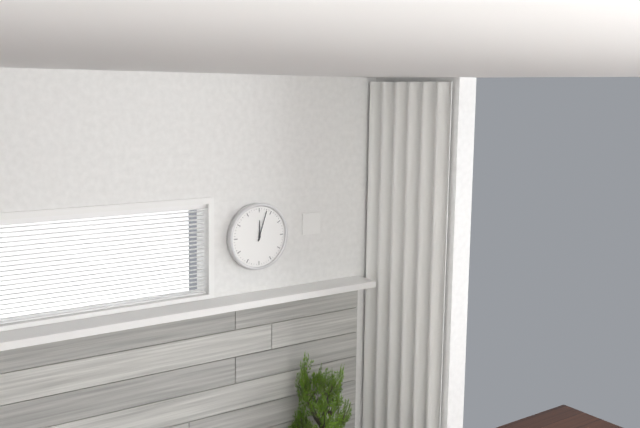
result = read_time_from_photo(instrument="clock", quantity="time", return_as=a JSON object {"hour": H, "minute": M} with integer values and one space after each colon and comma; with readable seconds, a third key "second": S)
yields {"hour": 12, "minute": 3}
